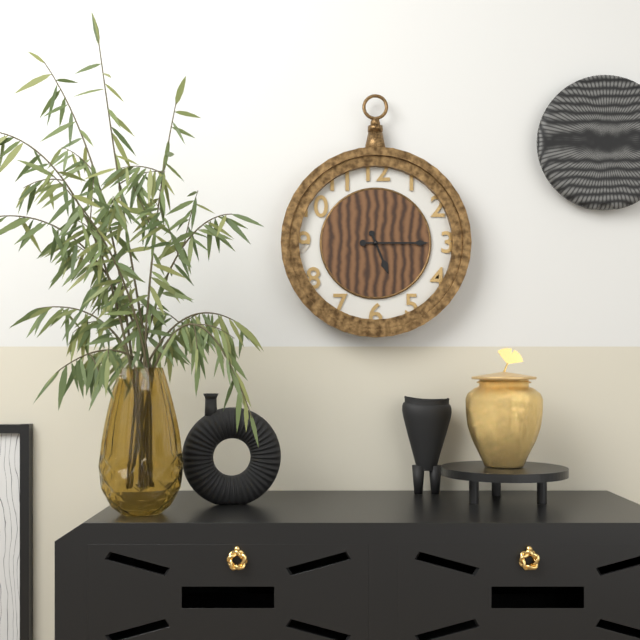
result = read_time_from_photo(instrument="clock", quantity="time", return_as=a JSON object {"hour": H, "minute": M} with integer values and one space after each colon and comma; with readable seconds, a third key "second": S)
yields {"hour": 5, "minute": 15}
